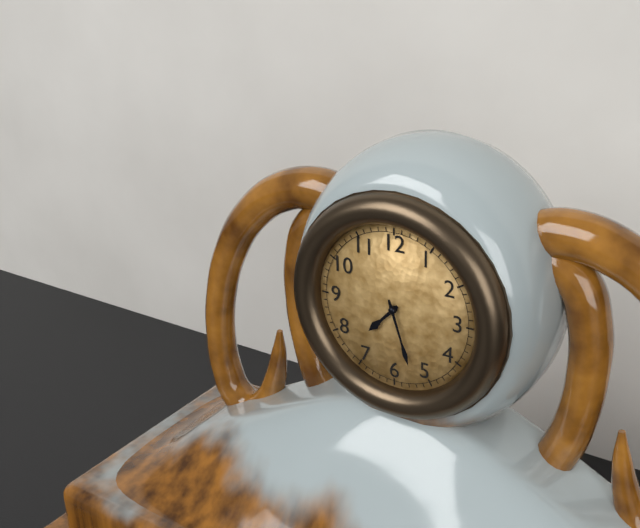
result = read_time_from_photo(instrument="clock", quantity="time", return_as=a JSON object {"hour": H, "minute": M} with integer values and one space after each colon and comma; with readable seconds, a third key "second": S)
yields {"hour": 7, "minute": 27}
